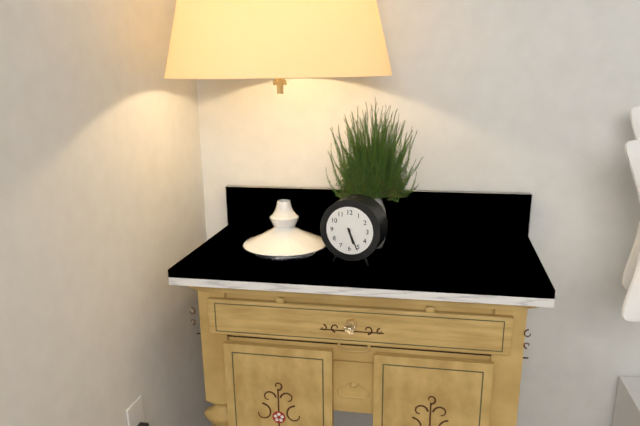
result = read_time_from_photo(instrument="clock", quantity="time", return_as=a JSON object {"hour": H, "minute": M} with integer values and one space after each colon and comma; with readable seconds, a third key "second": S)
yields {"hour": 5, "minute": 26}
